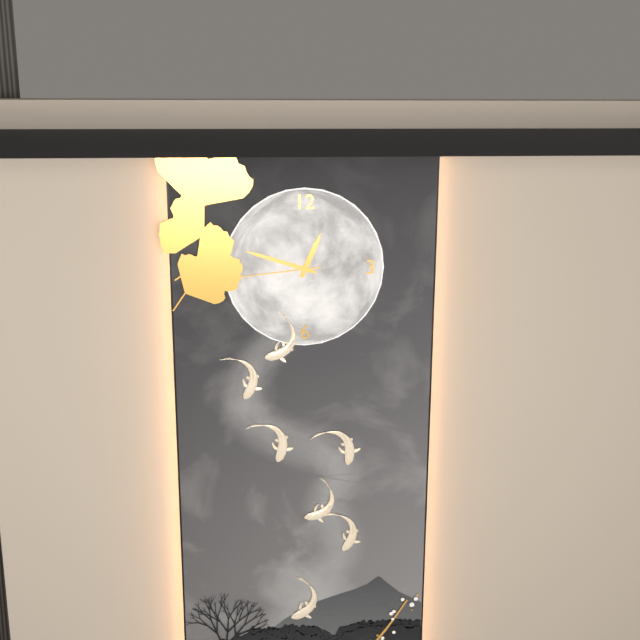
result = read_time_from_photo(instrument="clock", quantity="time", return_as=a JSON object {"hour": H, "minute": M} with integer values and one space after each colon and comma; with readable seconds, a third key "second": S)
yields {"hour": 12, "minute": 48, "second": 44}
